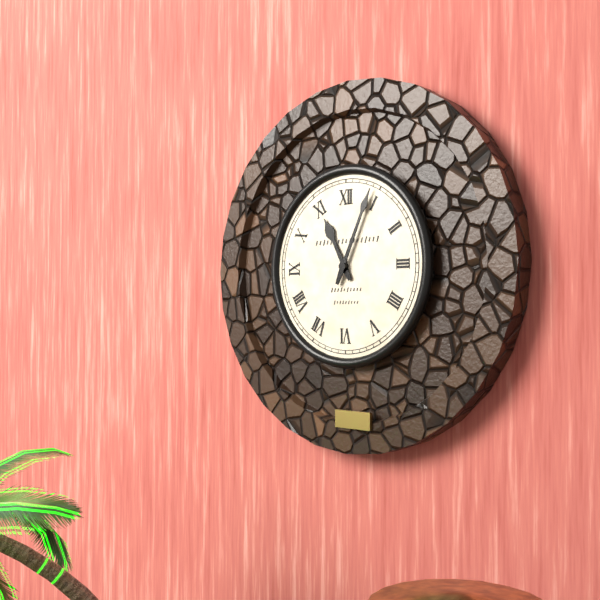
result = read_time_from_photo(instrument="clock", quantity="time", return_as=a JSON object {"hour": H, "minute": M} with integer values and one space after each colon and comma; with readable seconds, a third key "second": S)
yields {"hour": 11, "minute": 4}
